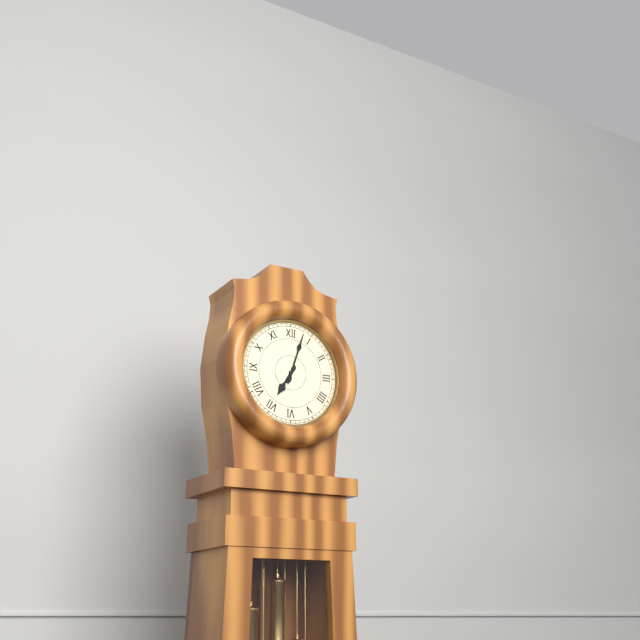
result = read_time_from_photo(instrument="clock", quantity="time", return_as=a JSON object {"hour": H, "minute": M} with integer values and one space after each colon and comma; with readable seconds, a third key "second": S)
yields {"hour": 7, "minute": 3}
